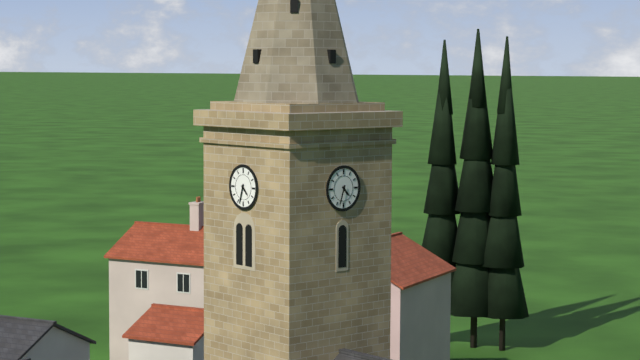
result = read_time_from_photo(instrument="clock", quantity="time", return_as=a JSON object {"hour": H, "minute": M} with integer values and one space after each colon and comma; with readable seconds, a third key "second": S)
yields {"hour": 4, "minute": 33}
